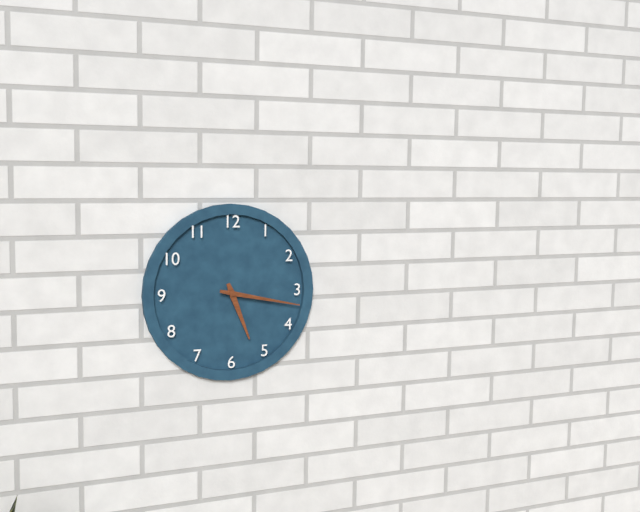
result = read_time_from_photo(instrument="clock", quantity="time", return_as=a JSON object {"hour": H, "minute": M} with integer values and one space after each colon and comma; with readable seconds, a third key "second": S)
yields {"hour": 5, "minute": 17}
